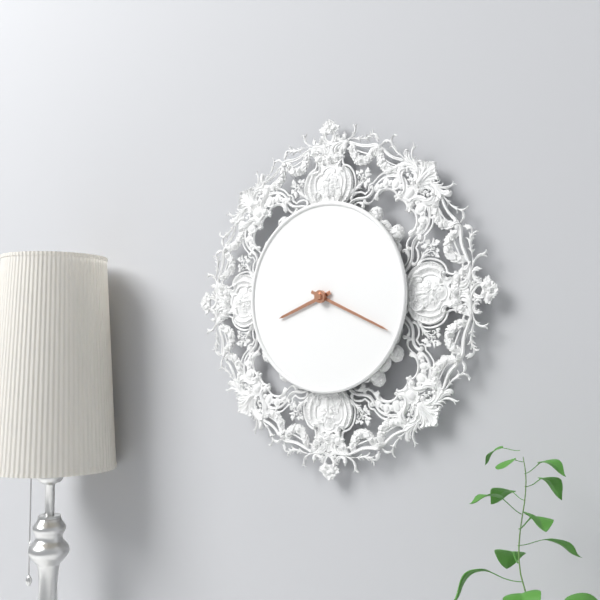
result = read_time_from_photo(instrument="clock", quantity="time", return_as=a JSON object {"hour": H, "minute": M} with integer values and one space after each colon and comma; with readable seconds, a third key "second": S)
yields {"hour": 8, "minute": 19}
